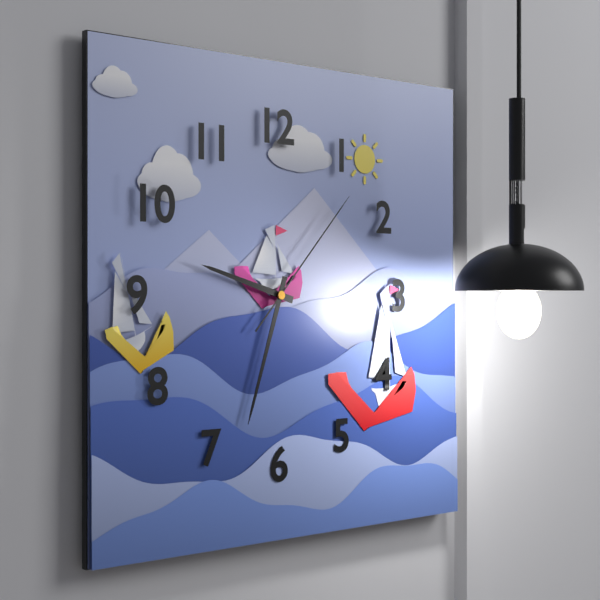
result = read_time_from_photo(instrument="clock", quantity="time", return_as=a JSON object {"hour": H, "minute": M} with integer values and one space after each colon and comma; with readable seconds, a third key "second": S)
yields {"hour": 9, "minute": 33, "second": 7}
